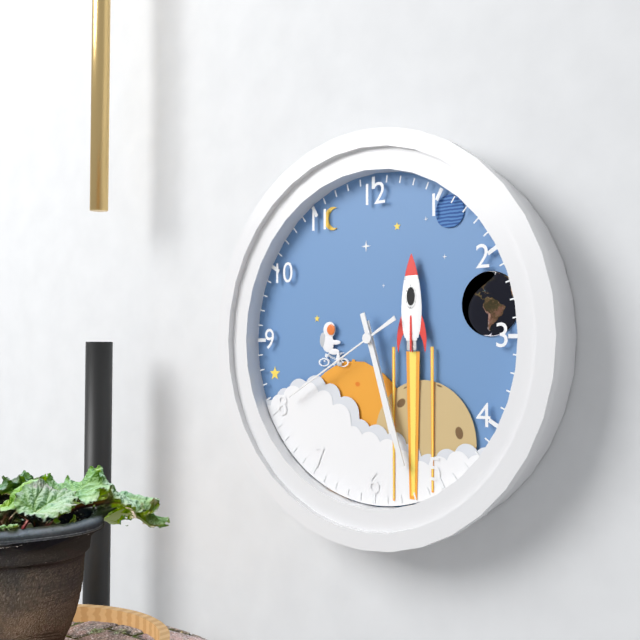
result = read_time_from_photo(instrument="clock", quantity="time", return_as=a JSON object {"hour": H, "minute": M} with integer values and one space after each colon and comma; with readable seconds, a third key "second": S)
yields {"hour": 5, "minute": 27, "second": 40}
